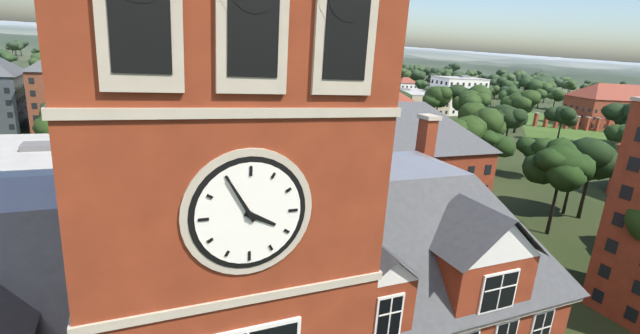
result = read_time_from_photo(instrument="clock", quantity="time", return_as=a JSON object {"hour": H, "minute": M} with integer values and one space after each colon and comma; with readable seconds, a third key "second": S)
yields {"hour": 3, "minute": 55}
